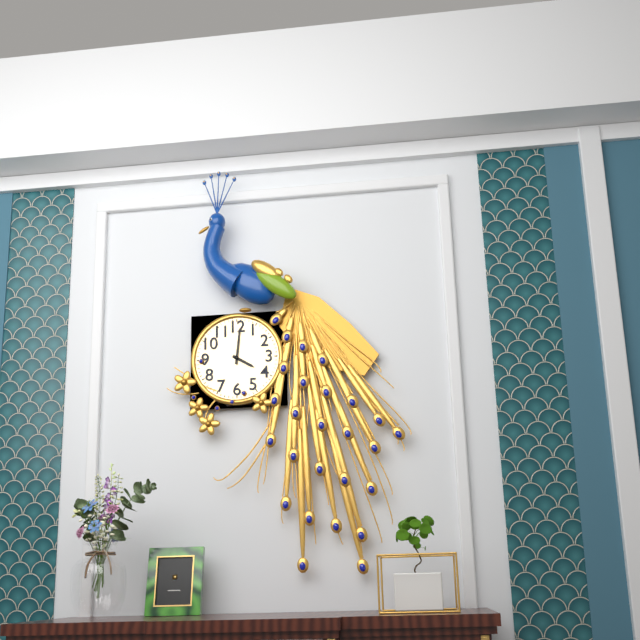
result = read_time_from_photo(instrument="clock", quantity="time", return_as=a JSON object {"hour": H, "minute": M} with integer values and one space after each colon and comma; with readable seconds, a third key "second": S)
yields {"hour": 4, "minute": 1}
